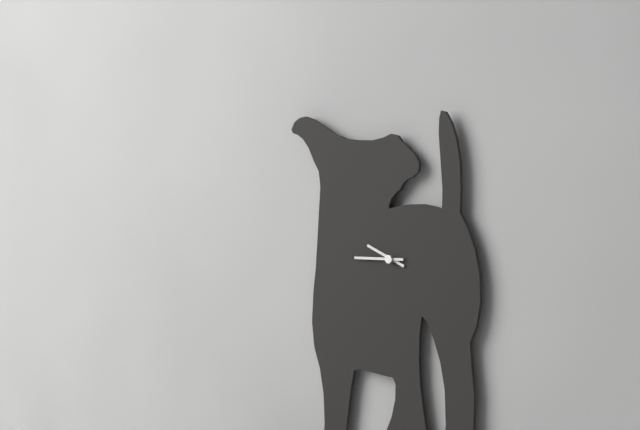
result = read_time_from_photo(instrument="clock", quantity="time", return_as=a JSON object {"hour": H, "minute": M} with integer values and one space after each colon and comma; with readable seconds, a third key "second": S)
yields {"hour": 9, "minute": 45}
